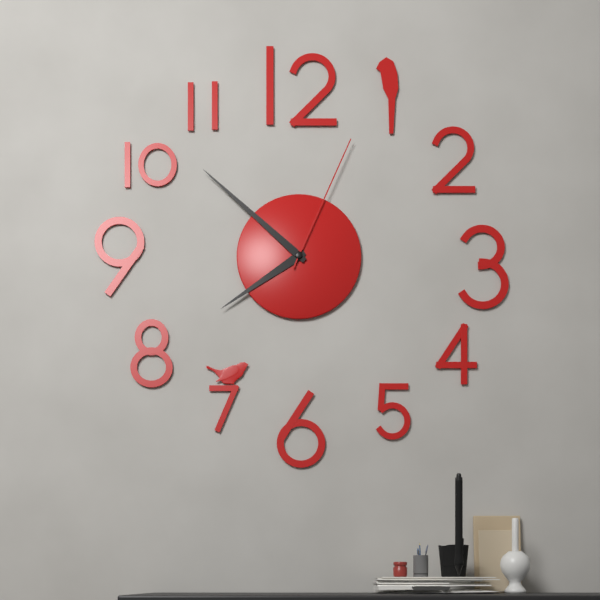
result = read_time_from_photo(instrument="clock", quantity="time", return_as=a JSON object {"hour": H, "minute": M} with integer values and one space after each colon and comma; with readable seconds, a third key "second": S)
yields {"hour": 7, "minute": 52, "second": 4}
